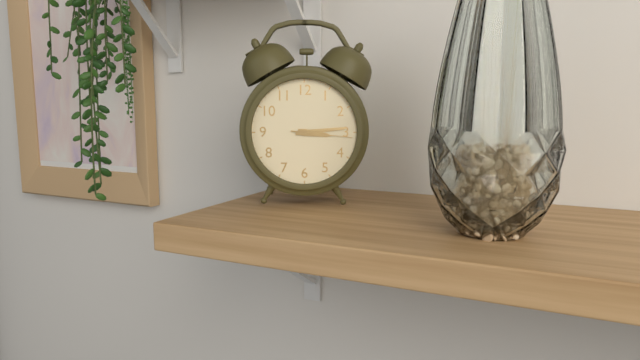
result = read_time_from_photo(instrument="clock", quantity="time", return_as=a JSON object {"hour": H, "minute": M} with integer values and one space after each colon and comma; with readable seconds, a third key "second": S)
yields {"hour": 3, "minute": 14, "second": 16}
